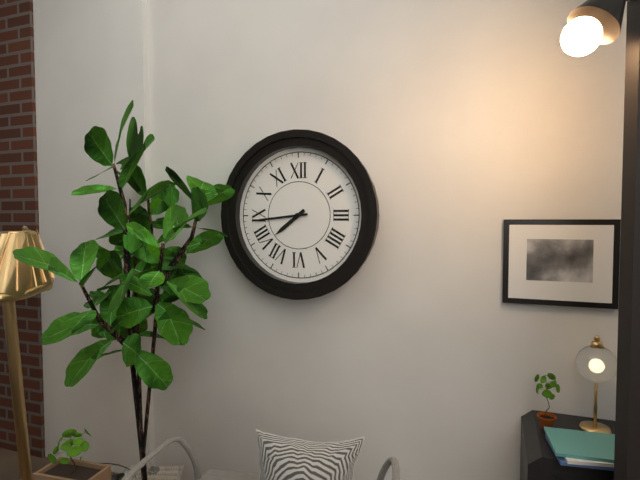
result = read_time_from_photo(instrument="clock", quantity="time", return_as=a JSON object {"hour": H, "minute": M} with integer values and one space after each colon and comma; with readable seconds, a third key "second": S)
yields {"hour": 7, "minute": 44}
